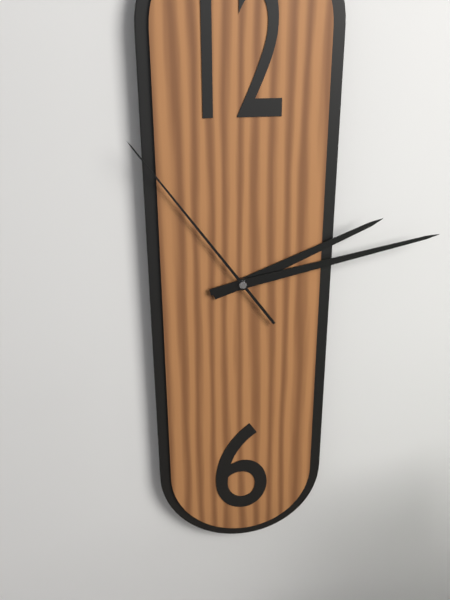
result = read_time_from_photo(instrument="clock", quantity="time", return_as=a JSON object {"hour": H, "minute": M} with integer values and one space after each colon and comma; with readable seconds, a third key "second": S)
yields {"hour": 2, "minute": 13, "second": 54}
